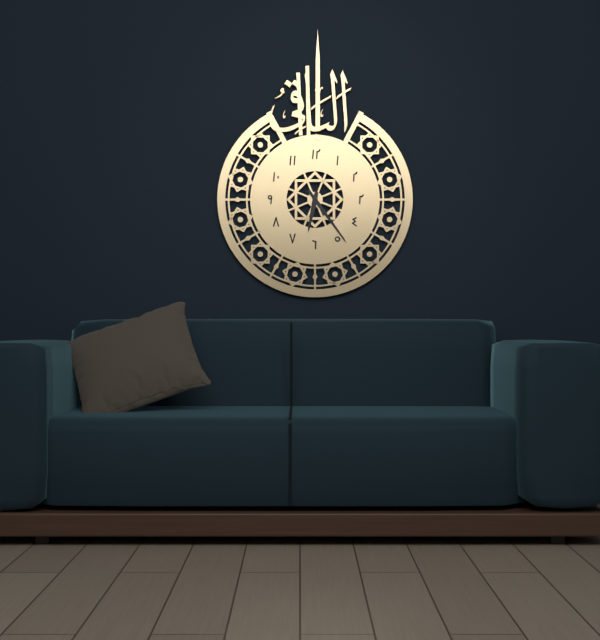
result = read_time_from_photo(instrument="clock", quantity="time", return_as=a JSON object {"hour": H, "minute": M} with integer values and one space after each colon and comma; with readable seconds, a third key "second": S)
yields {"hour": 6, "minute": 24}
